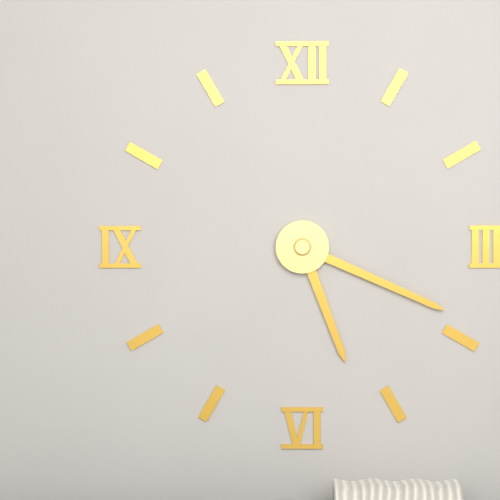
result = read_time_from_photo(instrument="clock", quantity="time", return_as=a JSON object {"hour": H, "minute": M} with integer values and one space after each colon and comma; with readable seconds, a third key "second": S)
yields {"hour": 5, "minute": 19}
